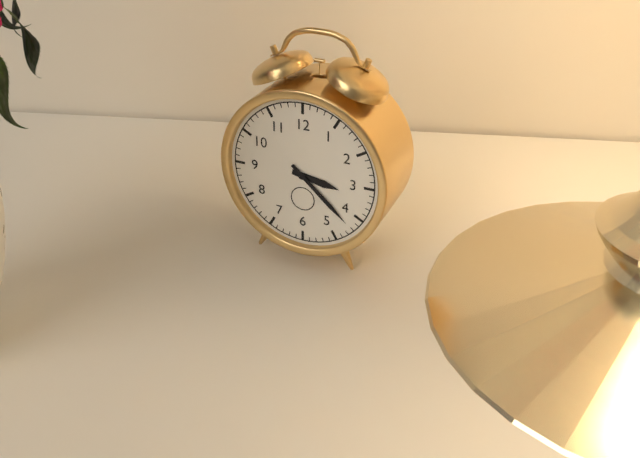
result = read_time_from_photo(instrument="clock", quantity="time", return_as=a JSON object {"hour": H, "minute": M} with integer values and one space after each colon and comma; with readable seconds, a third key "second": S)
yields {"hour": 3, "minute": 22}
